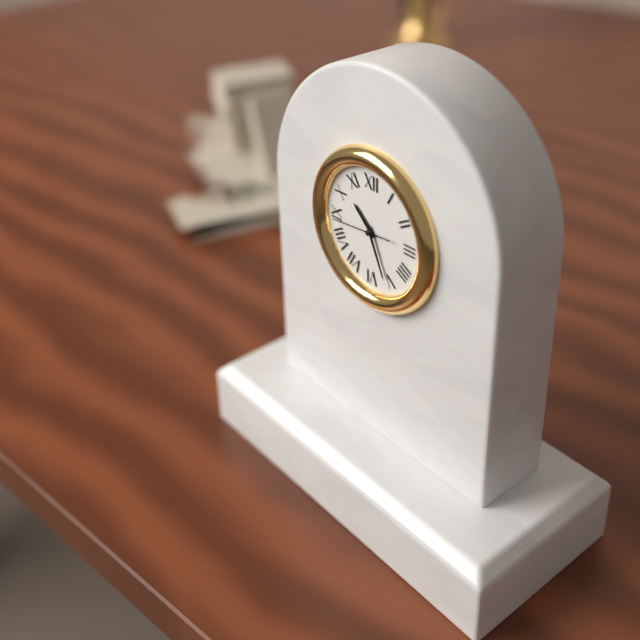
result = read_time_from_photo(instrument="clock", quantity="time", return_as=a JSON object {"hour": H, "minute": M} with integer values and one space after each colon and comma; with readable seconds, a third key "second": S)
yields {"hour": 10, "minute": 26}
